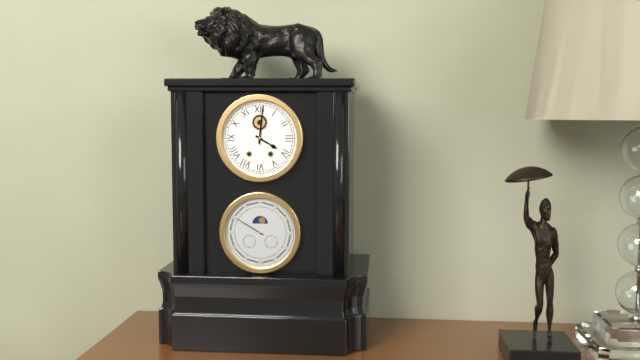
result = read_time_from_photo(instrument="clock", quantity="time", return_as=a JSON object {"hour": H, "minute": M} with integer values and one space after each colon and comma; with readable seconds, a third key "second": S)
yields {"hour": 4, "minute": 1}
